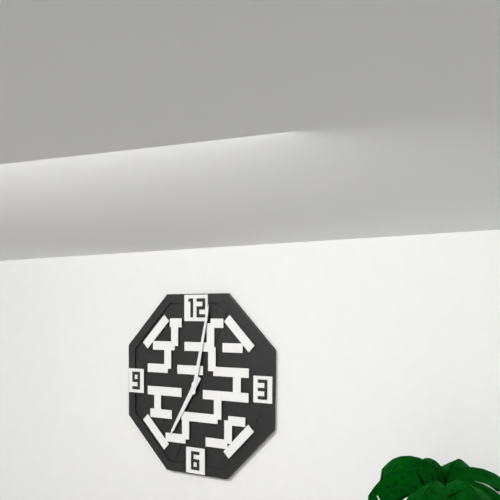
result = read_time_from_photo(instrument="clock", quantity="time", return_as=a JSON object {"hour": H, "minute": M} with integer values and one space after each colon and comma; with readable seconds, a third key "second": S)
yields {"hour": 7, "minute": 2}
